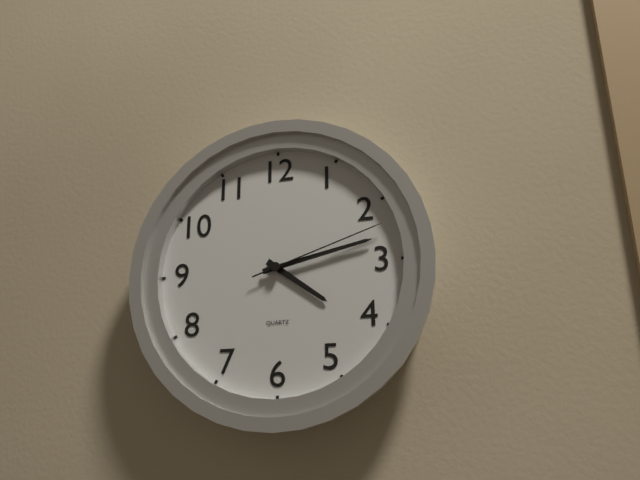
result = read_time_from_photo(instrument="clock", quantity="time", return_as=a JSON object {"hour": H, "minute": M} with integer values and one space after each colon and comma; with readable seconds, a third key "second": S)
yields {"hour": 4, "minute": 13, "second": 12}
